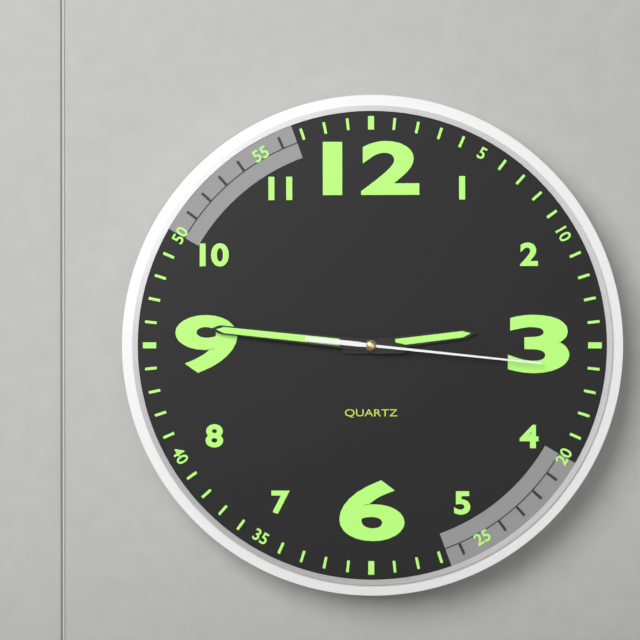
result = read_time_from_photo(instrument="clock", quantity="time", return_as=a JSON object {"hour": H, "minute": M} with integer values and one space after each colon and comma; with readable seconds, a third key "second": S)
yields {"hour": 2, "minute": 46, "second": 16}
